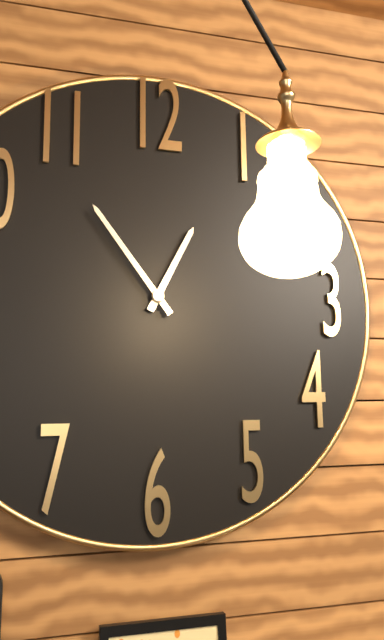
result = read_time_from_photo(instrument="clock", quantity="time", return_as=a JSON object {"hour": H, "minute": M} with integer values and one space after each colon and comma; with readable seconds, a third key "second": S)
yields {"hour": 12, "minute": 54}
